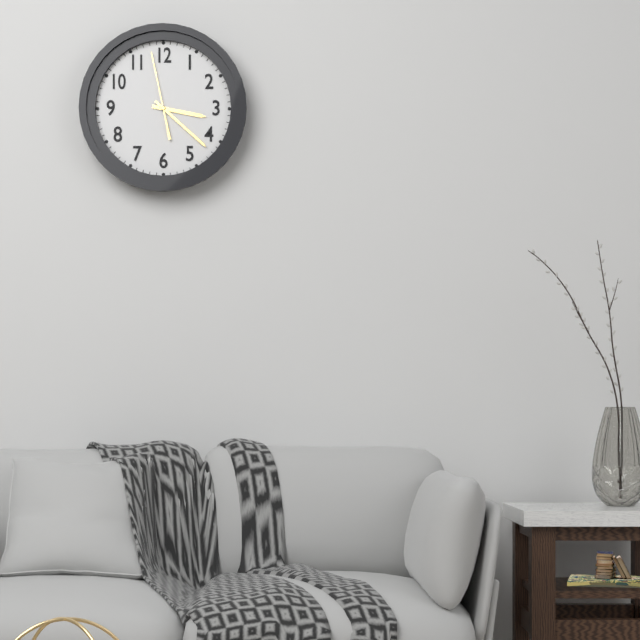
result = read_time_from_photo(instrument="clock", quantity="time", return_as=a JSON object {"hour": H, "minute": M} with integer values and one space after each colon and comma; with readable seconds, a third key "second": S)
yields {"hour": 3, "minute": 22, "second": 58}
